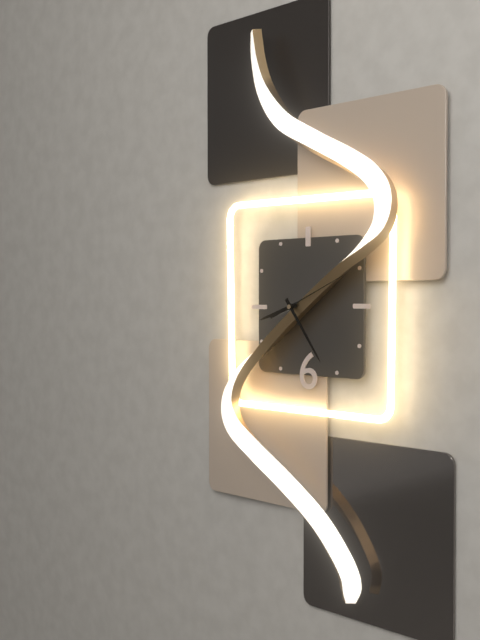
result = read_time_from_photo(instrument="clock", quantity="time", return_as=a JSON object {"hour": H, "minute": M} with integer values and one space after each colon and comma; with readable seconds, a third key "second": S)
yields {"hour": 8, "minute": 24, "second": 11}
